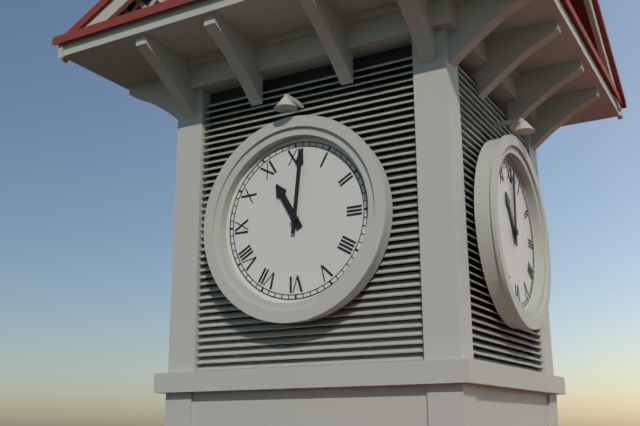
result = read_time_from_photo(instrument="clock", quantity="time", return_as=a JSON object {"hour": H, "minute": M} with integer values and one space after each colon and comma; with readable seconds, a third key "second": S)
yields {"hour": 11, "minute": 1}
